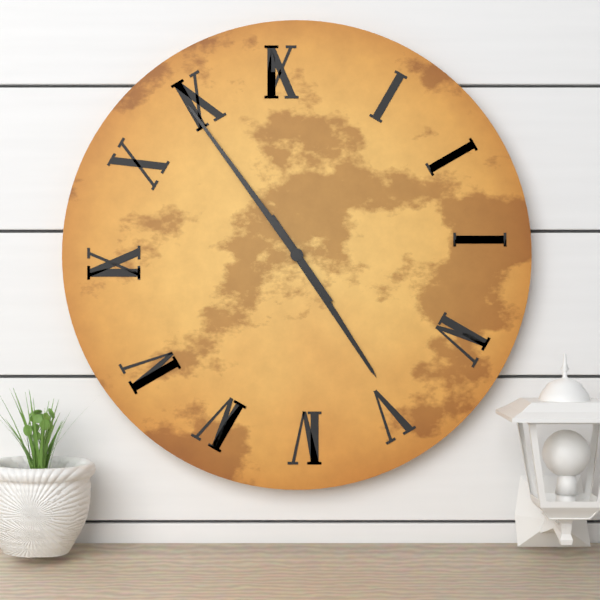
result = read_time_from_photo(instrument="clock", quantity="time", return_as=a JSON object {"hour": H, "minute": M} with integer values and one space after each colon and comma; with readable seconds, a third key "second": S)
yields {"hour": 4, "minute": 54}
